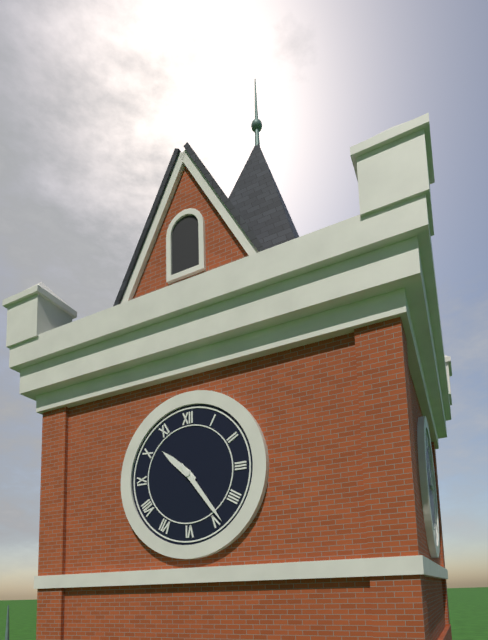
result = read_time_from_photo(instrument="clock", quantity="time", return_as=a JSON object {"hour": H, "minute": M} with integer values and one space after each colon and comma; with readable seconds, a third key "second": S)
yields {"hour": 10, "minute": 24}
